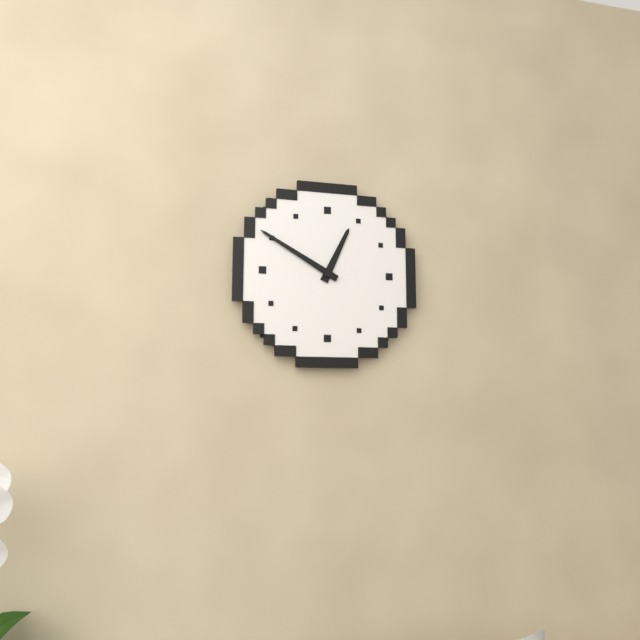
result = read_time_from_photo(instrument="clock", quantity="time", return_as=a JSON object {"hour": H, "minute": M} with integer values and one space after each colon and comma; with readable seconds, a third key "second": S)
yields {"hour": 12, "minute": 50}
